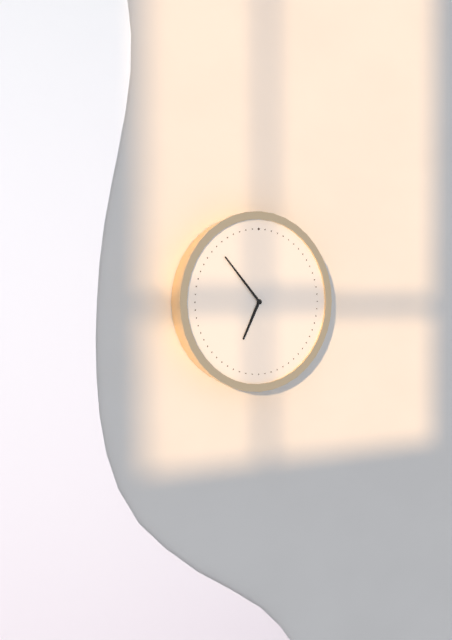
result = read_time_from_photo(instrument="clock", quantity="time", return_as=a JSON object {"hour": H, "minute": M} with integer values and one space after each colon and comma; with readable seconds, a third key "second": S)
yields {"hour": 6, "minute": 53}
